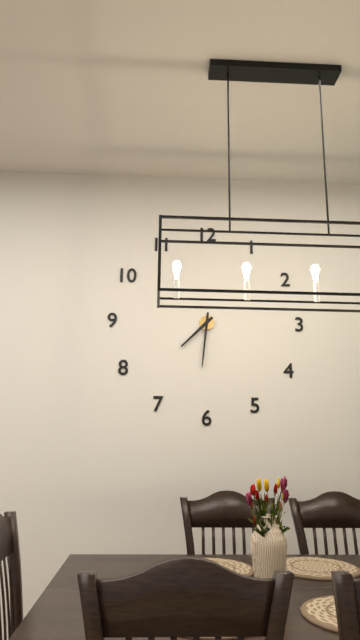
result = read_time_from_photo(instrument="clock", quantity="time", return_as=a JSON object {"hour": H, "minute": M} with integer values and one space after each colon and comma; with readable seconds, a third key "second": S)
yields {"hour": 7, "minute": 31}
